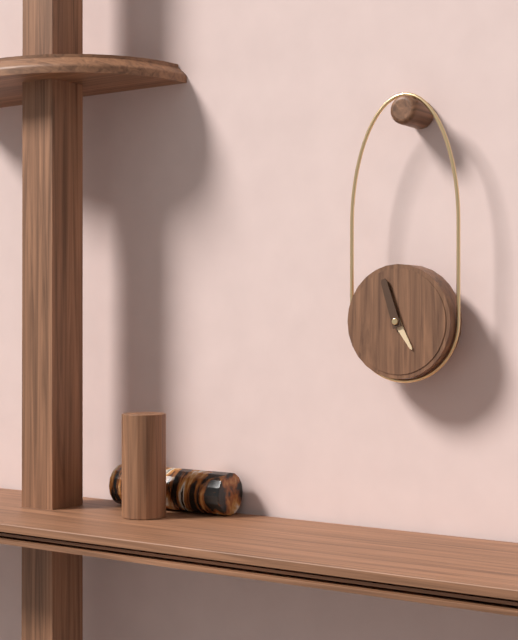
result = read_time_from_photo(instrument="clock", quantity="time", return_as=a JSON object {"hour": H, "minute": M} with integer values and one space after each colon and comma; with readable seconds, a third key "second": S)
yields {"hour": 4, "minute": 57}
